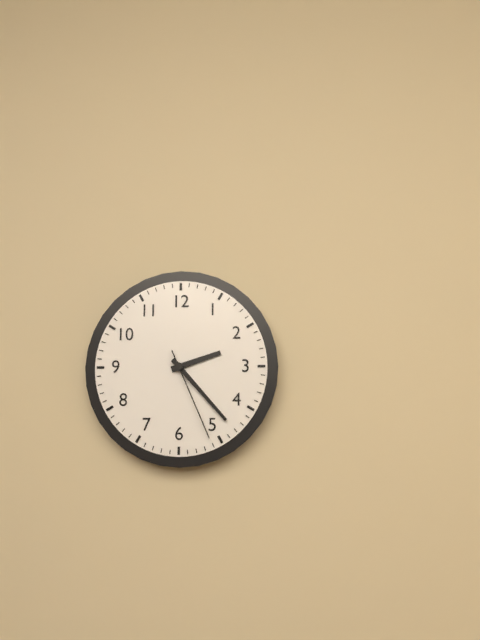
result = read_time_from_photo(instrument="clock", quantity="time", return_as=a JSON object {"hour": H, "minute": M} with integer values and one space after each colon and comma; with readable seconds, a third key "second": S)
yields {"hour": 2, "minute": 23, "second": 26}
